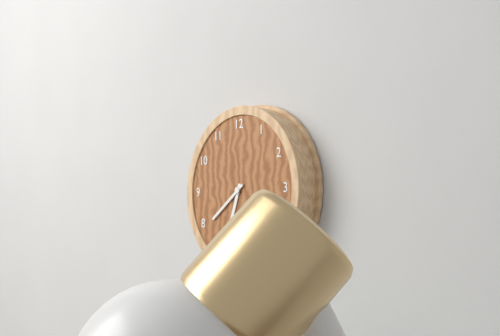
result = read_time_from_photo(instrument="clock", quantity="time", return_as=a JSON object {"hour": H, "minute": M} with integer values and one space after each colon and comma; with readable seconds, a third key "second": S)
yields {"hour": 6, "minute": 39}
